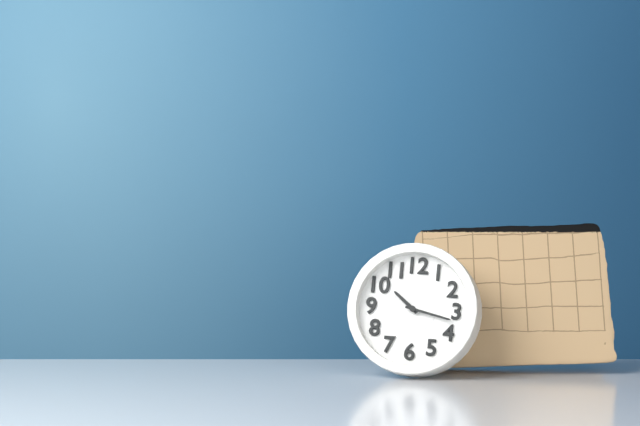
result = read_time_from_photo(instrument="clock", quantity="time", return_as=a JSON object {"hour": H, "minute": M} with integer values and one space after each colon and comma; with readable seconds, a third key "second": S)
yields {"hour": 10, "minute": 17}
